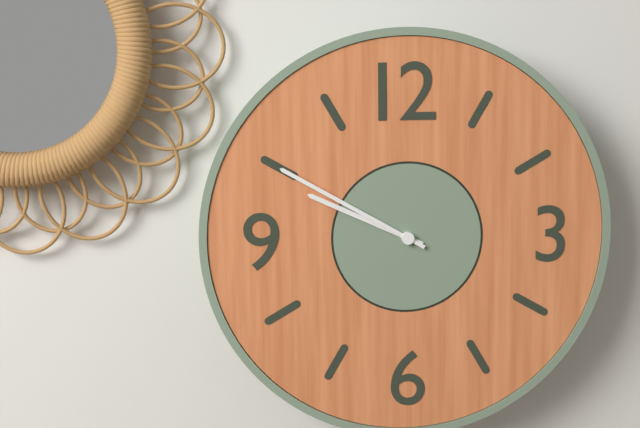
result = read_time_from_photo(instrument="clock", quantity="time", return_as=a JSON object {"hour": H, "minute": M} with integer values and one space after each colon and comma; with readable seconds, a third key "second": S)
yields {"hour": 9, "minute": 50}
